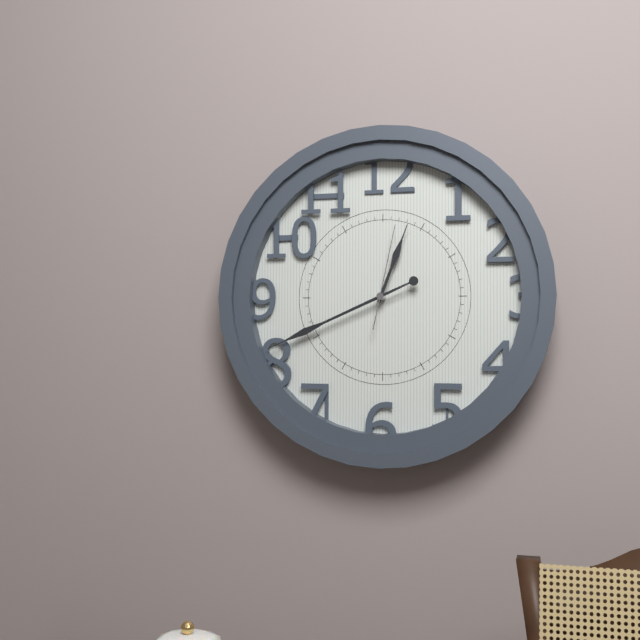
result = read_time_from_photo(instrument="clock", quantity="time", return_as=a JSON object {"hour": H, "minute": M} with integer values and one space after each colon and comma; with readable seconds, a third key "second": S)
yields {"hour": 12, "minute": 41, "second": 2}
